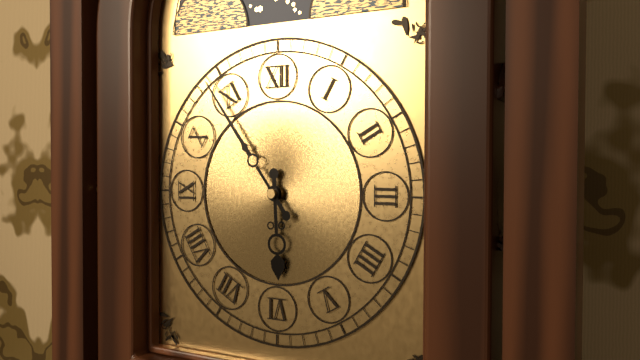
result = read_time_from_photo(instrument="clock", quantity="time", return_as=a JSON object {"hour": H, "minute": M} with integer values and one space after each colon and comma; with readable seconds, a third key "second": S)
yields {"hour": 5, "minute": 54}
